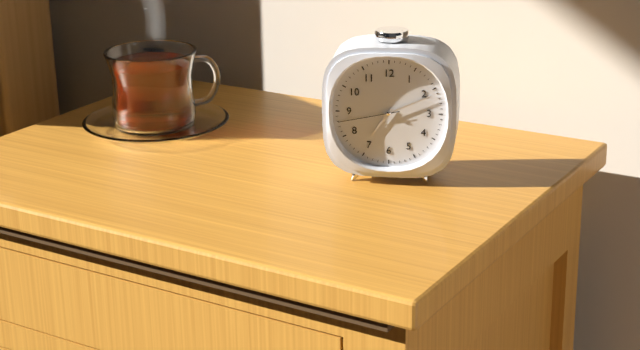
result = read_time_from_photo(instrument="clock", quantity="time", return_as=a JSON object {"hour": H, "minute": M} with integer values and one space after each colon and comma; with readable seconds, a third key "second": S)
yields {"hour": 7, "minute": 11, "second": 43}
